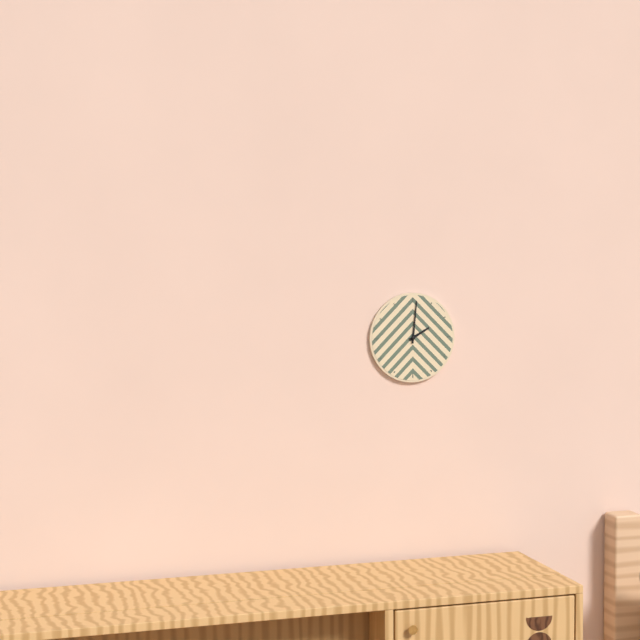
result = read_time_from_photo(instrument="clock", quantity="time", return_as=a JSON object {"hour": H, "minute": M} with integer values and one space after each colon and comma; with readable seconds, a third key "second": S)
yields {"hour": 2, "minute": 1}
